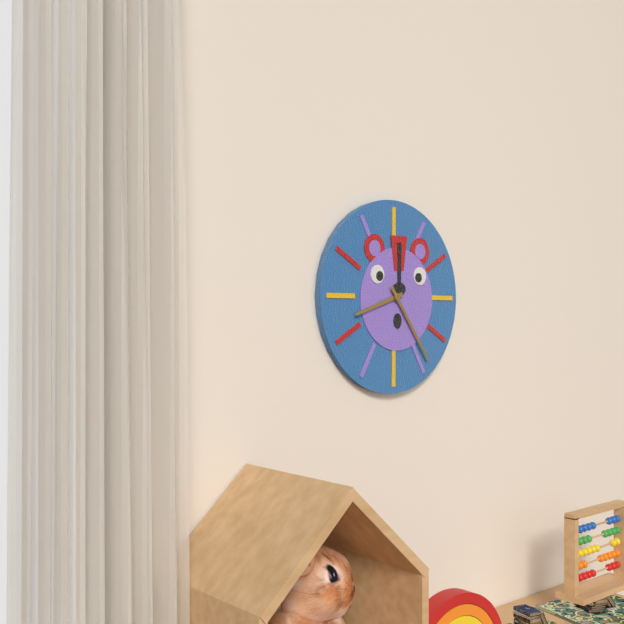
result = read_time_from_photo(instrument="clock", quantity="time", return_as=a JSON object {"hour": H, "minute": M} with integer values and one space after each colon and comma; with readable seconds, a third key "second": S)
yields {"hour": 8, "minute": 24}
